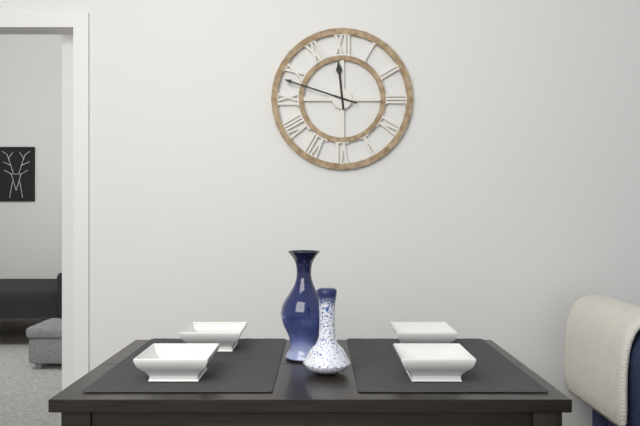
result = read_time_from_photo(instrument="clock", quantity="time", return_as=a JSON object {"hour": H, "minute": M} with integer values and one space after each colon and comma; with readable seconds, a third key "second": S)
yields {"hour": 11, "minute": 48}
